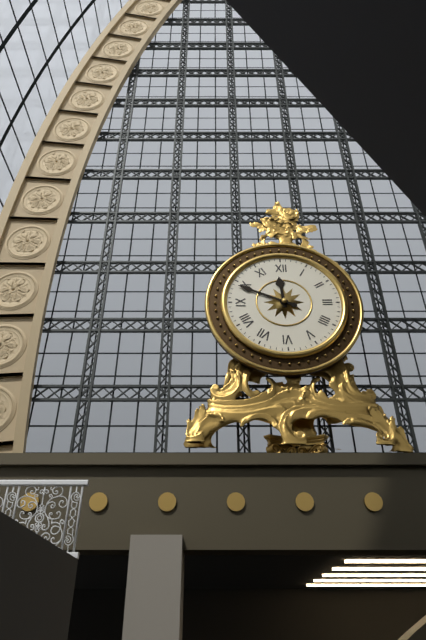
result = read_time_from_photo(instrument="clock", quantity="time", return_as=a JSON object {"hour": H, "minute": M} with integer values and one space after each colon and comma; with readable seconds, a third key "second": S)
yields {"hour": 11, "minute": 49}
